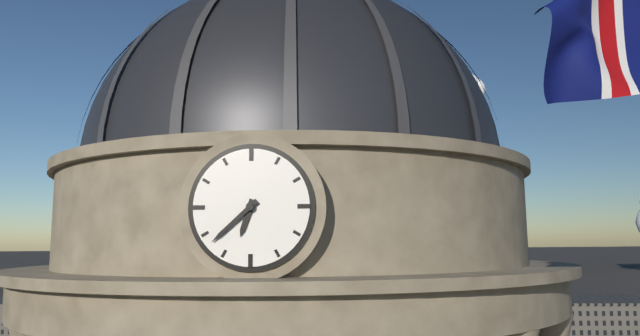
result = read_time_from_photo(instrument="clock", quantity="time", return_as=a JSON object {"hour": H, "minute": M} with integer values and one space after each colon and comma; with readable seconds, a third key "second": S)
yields {"hour": 6, "minute": 38}
